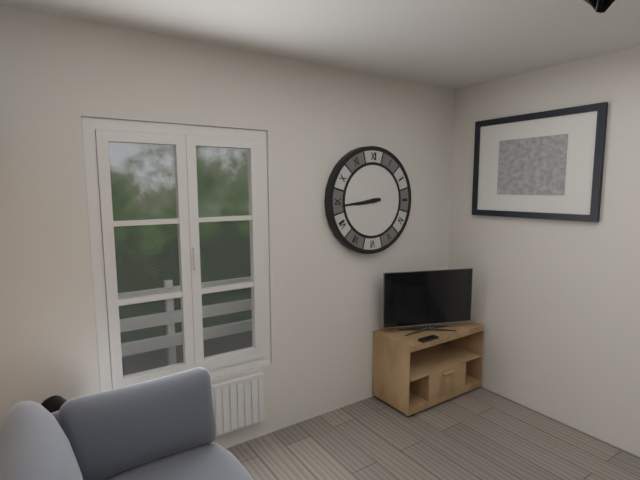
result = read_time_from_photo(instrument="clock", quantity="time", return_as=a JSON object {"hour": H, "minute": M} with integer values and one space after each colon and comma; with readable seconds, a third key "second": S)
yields {"hour": 8, "minute": 44}
